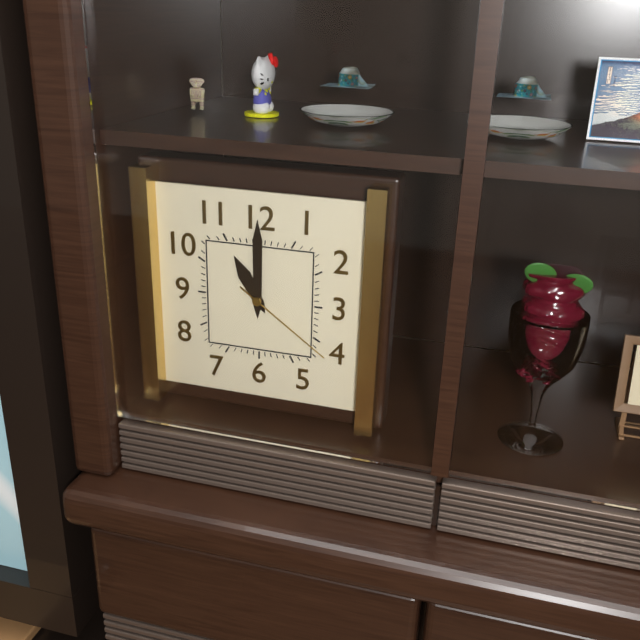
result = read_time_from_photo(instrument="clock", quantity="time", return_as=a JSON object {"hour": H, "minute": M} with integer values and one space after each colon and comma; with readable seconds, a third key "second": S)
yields {"hour": 11, "minute": 0, "second": 21}
